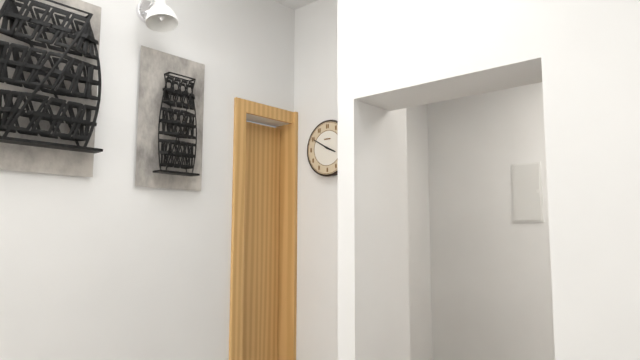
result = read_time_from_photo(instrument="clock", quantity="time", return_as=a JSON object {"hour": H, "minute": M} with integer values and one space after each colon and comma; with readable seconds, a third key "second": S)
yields {"hour": 3, "minute": 50}
